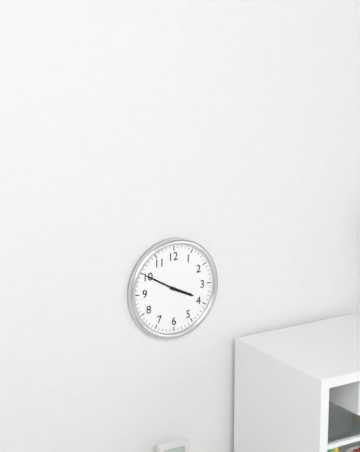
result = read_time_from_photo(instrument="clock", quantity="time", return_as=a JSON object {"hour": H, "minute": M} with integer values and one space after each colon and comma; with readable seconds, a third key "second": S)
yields {"hour": 3, "minute": 50}
